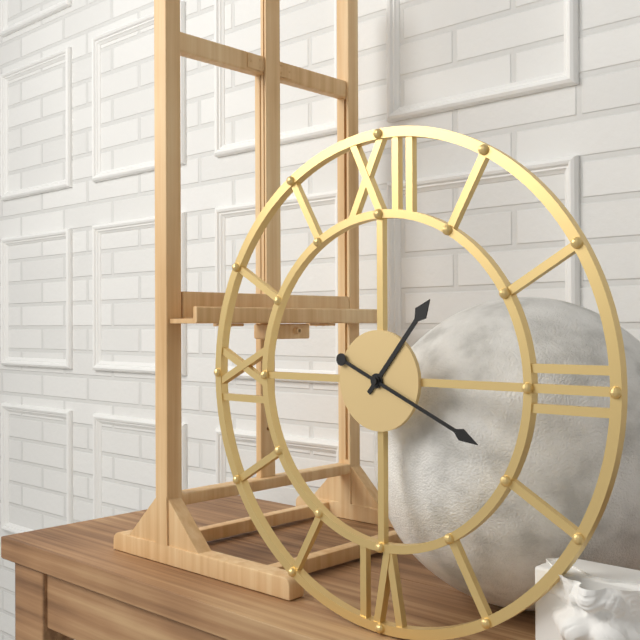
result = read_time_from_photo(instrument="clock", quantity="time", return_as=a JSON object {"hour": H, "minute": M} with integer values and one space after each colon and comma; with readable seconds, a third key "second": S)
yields {"hour": 1, "minute": 19}
